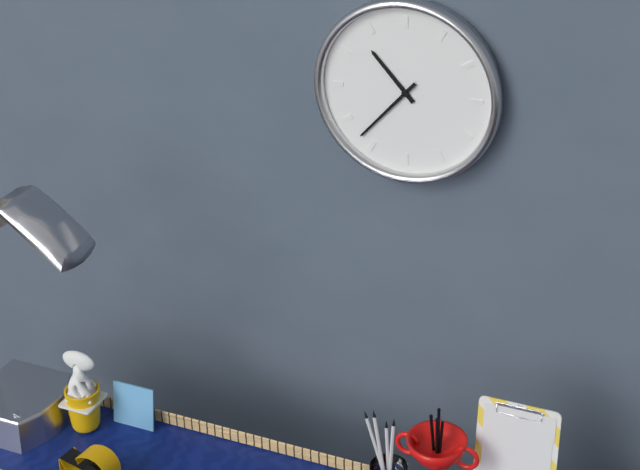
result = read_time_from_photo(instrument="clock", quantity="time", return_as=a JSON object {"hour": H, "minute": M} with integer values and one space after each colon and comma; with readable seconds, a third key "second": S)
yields {"hour": 10, "minute": 37}
